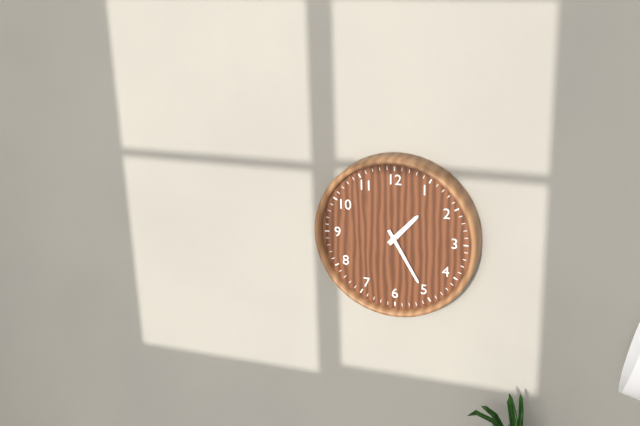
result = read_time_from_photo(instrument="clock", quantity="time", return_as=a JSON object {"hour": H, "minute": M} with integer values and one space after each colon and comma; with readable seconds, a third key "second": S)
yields {"hour": 1, "minute": 25}
